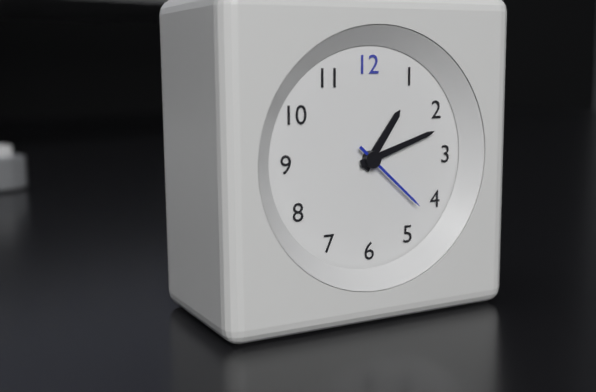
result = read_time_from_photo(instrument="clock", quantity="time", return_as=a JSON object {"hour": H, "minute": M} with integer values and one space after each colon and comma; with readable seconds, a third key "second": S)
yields {"hour": 1, "minute": 12, "second": 22}
